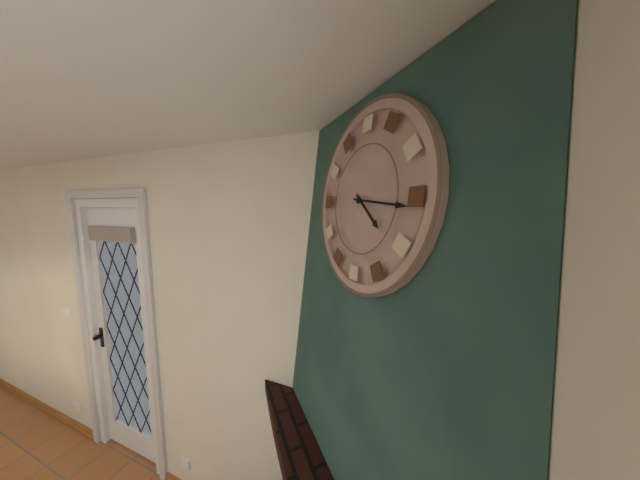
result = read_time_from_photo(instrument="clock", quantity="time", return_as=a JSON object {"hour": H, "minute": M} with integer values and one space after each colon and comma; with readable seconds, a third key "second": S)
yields {"hour": 4, "minute": 16}
